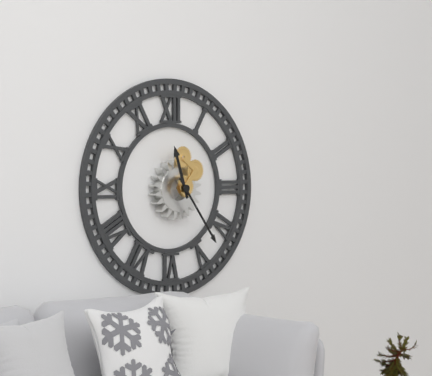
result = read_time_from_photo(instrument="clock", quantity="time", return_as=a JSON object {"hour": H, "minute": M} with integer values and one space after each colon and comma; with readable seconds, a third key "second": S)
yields {"hour": 11, "minute": 24}
